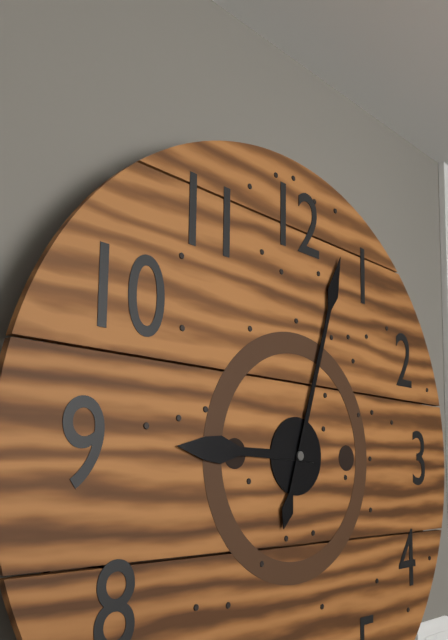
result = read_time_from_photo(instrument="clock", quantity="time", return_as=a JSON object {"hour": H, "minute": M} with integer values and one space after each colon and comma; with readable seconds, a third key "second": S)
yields {"hour": 9, "minute": 3}
